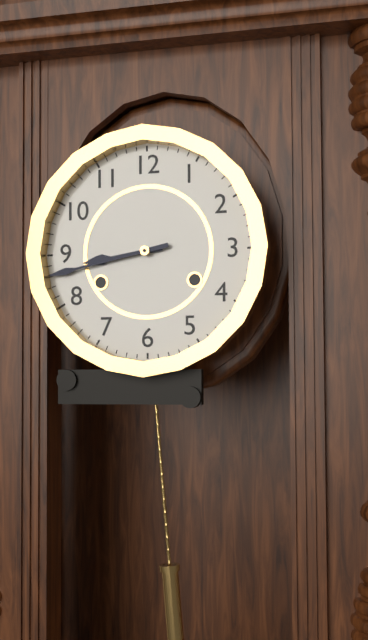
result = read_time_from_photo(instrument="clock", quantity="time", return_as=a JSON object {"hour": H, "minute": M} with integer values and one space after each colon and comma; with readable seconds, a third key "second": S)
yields {"hour": 8, "minute": 43}
